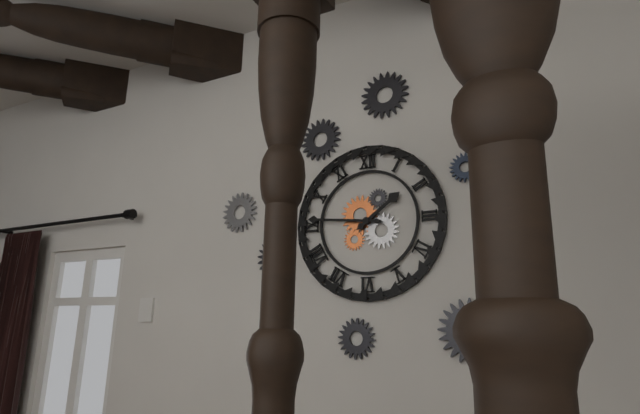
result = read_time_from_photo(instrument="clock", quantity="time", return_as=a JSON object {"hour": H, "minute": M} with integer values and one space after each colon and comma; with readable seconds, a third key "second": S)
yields {"hour": 1, "minute": 46}
